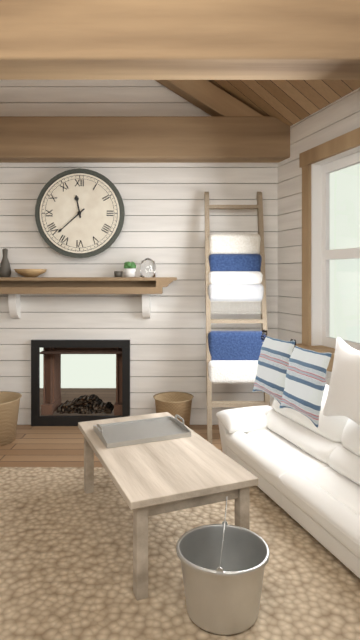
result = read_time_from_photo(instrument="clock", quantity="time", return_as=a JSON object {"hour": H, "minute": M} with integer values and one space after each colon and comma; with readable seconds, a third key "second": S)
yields {"hour": 11, "minute": 38}
